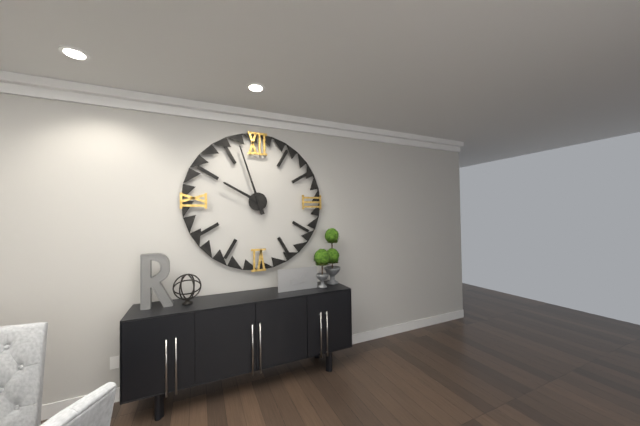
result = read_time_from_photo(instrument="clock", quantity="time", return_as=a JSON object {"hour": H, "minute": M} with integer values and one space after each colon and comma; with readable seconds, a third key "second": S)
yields {"hour": 9, "minute": 57}
